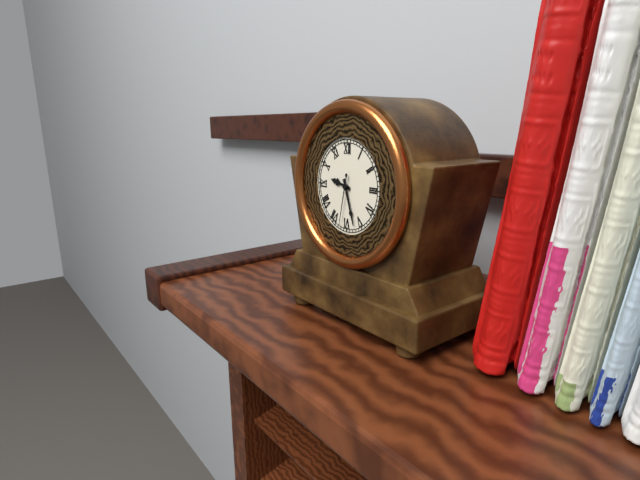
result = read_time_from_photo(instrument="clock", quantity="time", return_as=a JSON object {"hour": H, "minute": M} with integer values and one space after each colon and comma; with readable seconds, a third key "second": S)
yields {"hour": 9, "minute": 27, "second": 32}
